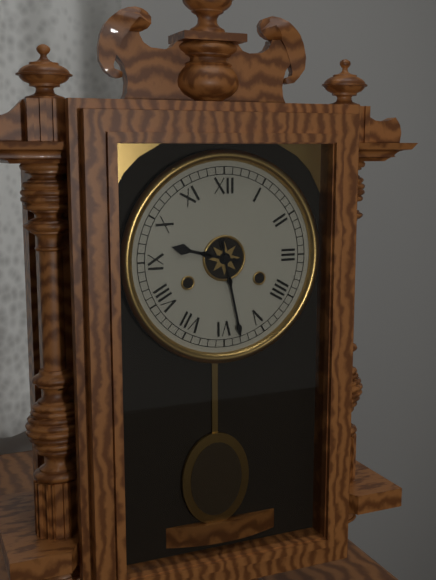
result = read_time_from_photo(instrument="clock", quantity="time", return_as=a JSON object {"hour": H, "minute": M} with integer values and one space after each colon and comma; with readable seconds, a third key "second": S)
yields {"hour": 9, "minute": 28}
